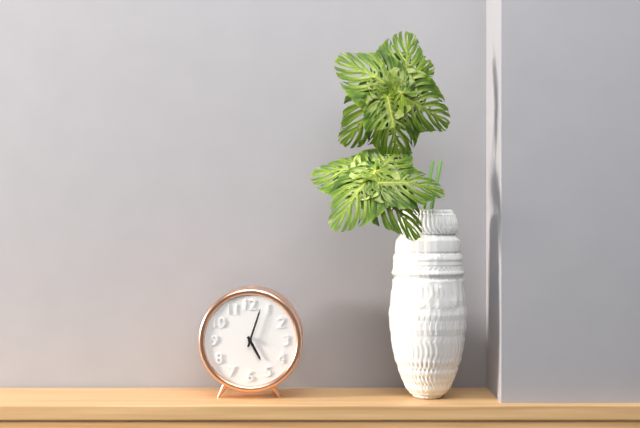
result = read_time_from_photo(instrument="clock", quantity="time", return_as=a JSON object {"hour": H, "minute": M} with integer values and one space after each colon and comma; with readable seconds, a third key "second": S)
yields {"hour": 5, "minute": 3}
